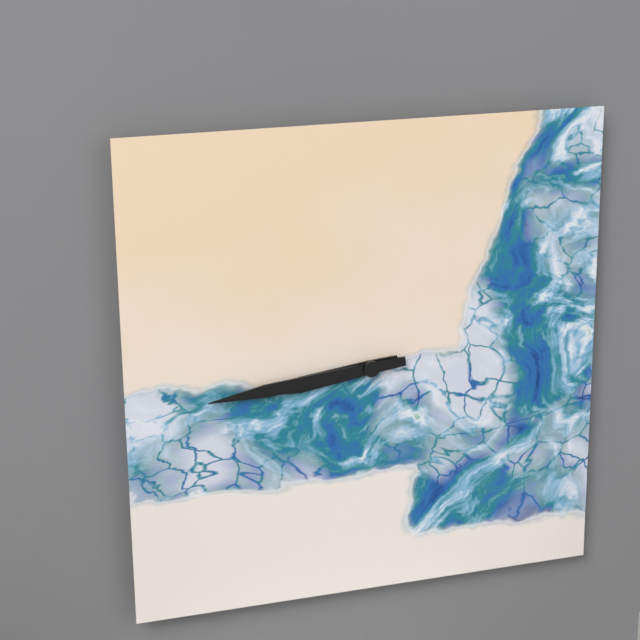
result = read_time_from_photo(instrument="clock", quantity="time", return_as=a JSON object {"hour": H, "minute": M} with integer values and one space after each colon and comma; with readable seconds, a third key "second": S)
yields {"hour": 8, "minute": 44}
